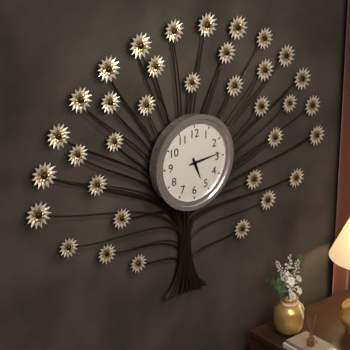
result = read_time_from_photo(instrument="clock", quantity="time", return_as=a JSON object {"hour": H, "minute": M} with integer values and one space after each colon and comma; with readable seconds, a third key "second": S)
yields {"hour": 5, "minute": 14}
